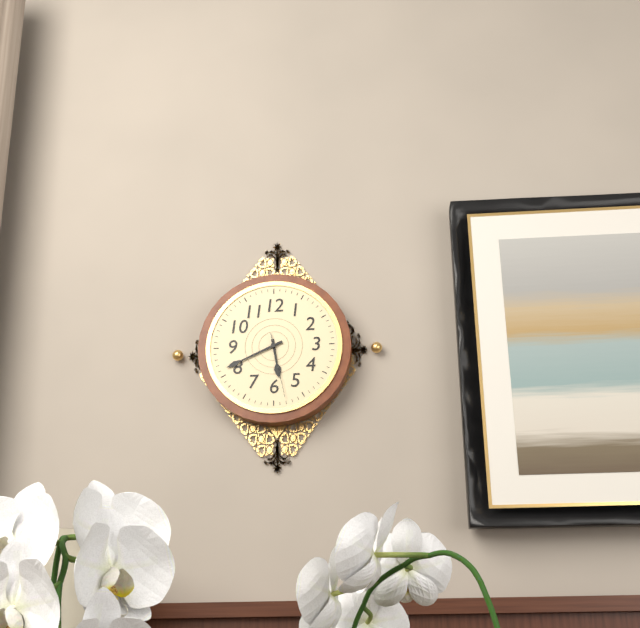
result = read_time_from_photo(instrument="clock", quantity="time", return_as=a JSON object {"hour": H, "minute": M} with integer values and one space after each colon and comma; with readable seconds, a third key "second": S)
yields {"hour": 5, "minute": 41, "second": 28}
